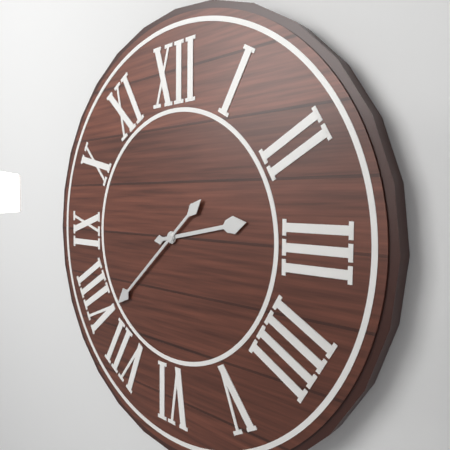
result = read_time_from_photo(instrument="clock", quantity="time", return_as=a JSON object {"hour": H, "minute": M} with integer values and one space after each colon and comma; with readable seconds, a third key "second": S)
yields {"hour": 2, "minute": 38}
